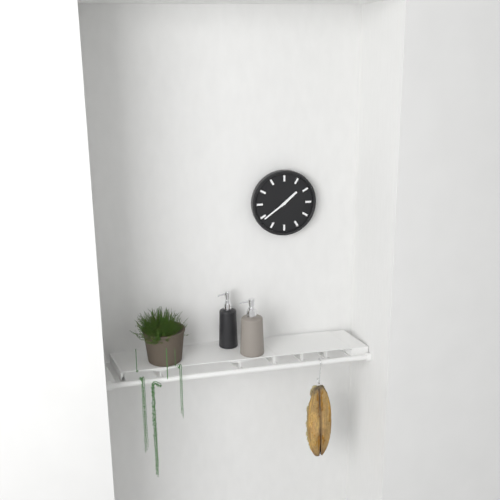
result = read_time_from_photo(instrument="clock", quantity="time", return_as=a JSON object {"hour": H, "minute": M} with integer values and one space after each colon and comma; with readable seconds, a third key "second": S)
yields {"hour": 1, "minute": 39}
